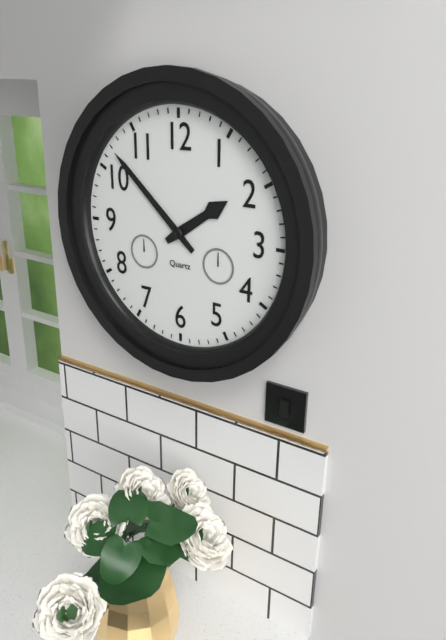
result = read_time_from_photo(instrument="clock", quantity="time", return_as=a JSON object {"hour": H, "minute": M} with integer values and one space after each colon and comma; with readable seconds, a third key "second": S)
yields {"hour": 1, "minute": 52}
